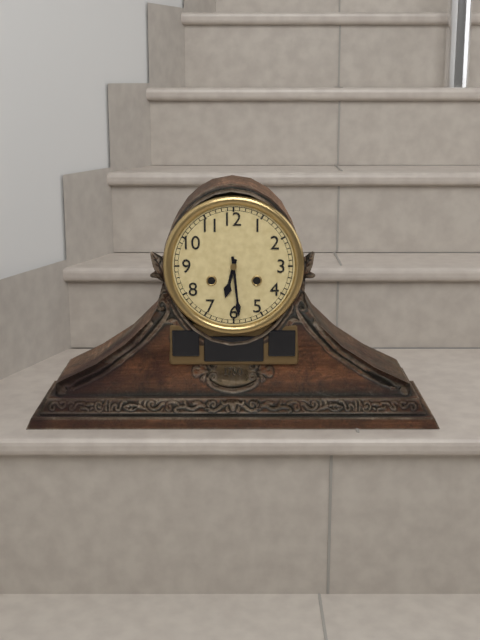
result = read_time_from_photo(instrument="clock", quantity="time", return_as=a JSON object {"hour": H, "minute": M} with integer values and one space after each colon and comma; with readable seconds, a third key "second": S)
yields {"hour": 6, "minute": 29}
